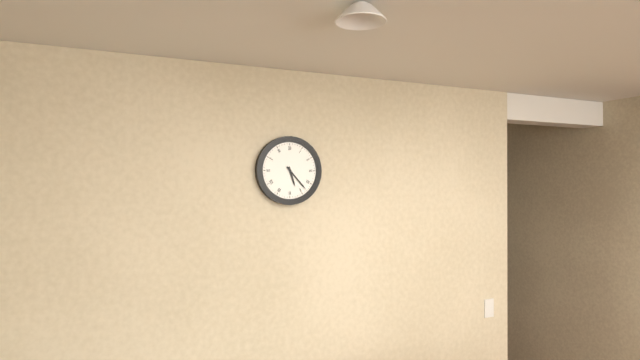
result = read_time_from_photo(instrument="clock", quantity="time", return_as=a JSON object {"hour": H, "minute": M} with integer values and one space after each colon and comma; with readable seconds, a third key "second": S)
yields {"hour": 5, "minute": 23}
